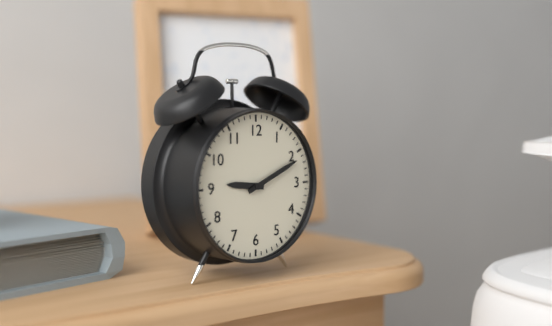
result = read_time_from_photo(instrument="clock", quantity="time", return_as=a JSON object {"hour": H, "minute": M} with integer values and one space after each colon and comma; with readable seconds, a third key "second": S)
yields {"hour": 9, "minute": 11}
